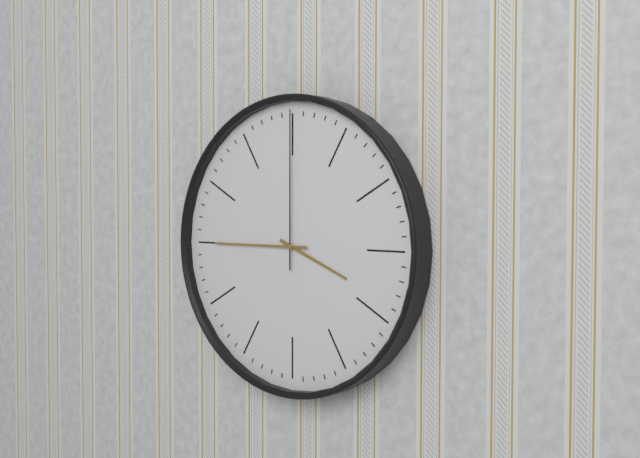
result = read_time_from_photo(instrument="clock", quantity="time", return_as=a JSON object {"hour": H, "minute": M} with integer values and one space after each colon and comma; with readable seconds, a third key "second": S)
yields {"hour": 3, "minute": 45, "second": 0}
